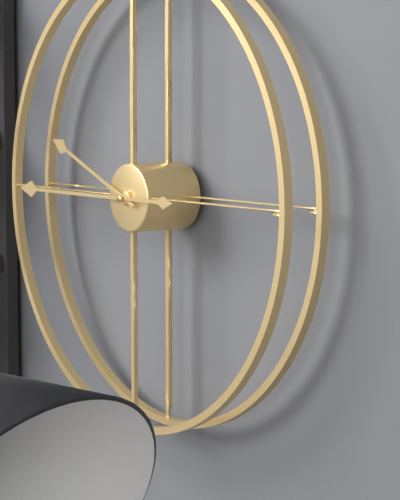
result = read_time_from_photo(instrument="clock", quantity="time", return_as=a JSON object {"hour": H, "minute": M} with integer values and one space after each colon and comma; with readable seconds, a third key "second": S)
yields {"hour": 9, "minute": 45}
